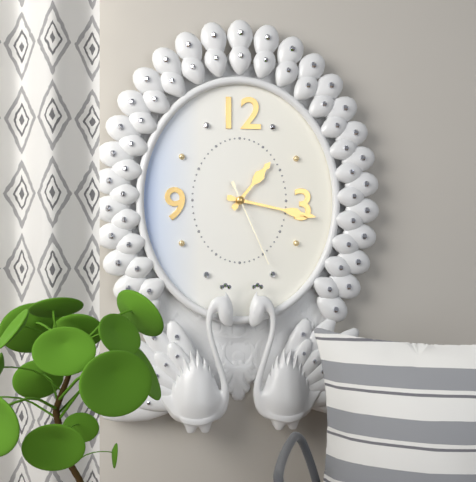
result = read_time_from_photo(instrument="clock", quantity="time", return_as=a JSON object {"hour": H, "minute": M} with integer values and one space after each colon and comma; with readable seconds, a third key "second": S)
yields {"hour": 1, "minute": 17, "second": 26}
